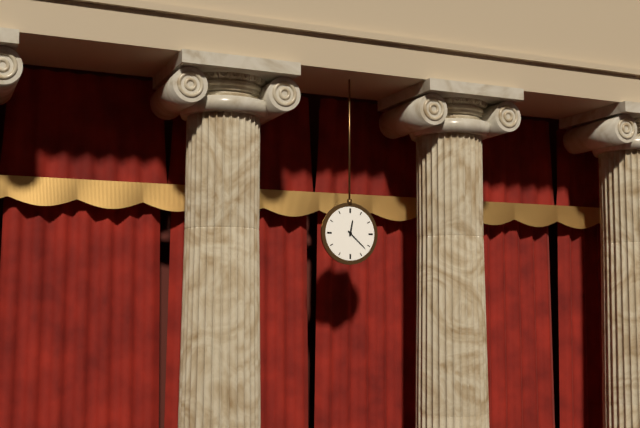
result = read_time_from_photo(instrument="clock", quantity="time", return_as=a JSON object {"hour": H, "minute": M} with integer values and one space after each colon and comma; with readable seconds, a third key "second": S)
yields {"hour": 12, "minute": 22}
